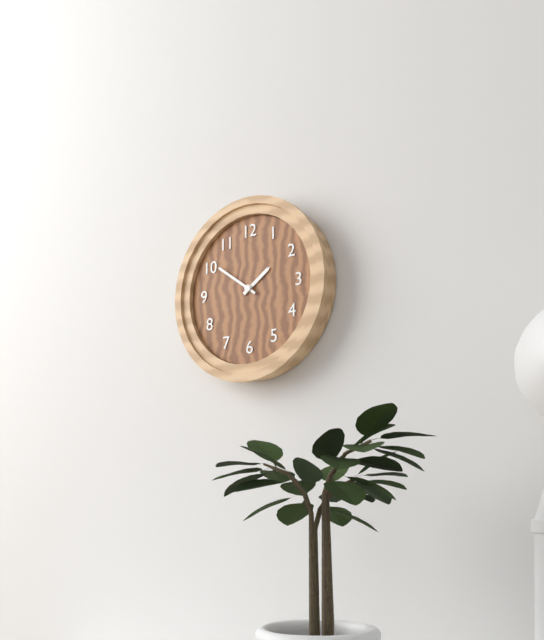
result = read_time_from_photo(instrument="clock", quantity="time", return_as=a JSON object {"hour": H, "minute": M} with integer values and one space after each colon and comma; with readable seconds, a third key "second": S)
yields {"hour": 1, "minute": 51}
